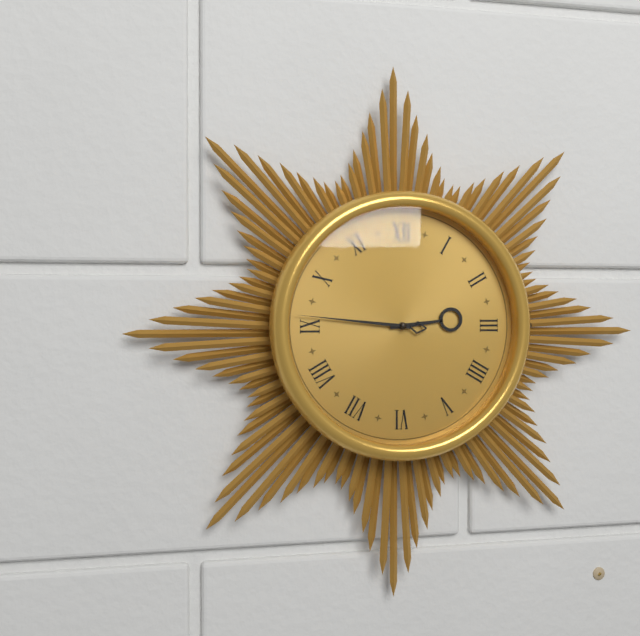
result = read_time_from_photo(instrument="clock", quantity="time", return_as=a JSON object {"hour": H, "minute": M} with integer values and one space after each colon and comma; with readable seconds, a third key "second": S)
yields {"hour": 2, "minute": 46}
